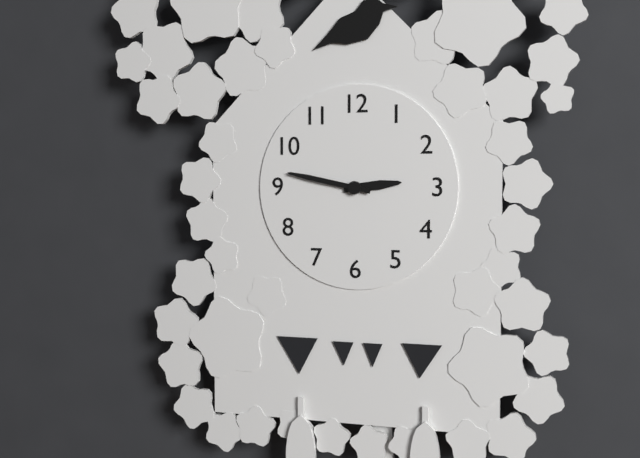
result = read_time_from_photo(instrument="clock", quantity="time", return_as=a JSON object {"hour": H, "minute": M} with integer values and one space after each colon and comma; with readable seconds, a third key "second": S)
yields {"hour": 2, "minute": 47}
